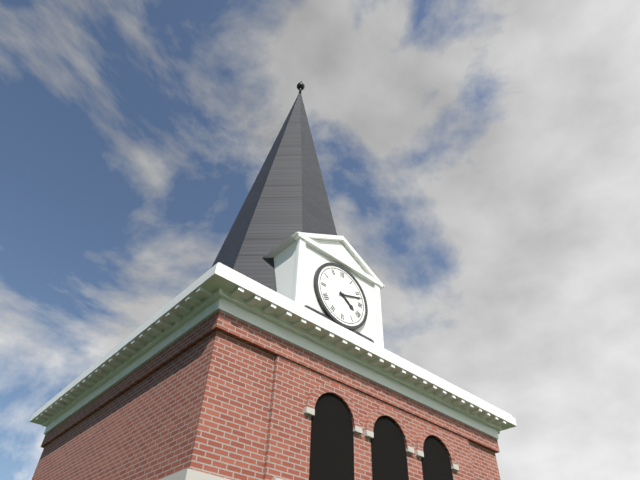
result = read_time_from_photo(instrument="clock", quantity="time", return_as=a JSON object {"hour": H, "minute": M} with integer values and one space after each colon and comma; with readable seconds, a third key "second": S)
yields {"hour": 4, "minute": 12}
